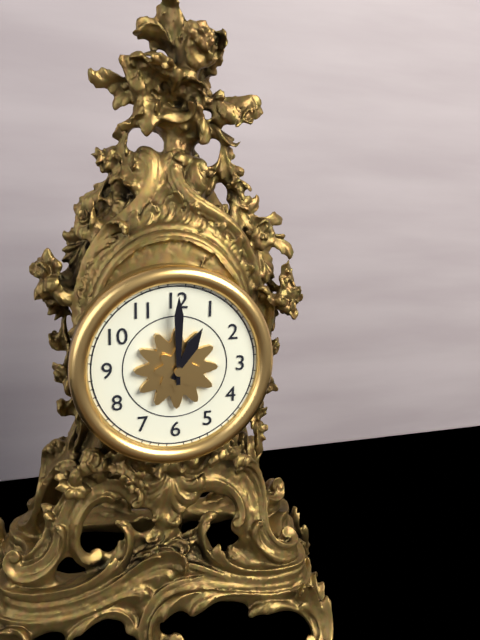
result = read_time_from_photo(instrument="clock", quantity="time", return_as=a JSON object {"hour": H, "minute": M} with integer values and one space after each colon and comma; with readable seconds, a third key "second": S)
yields {"hour": 1, "minute": 0}
